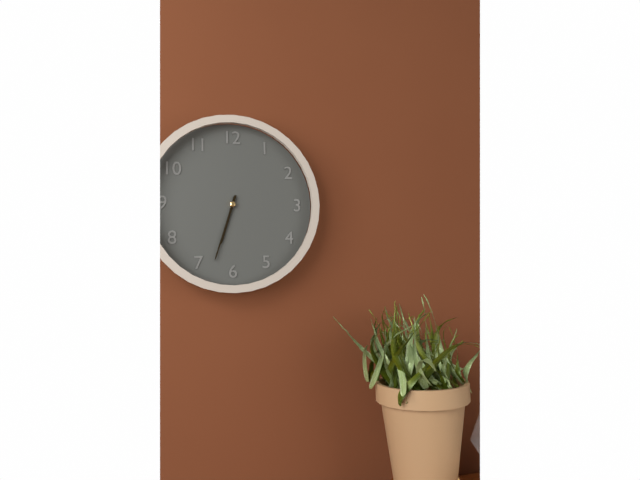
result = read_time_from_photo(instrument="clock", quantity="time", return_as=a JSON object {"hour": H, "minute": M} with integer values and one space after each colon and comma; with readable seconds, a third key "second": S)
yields {"hour": 6, "minute": 33}
